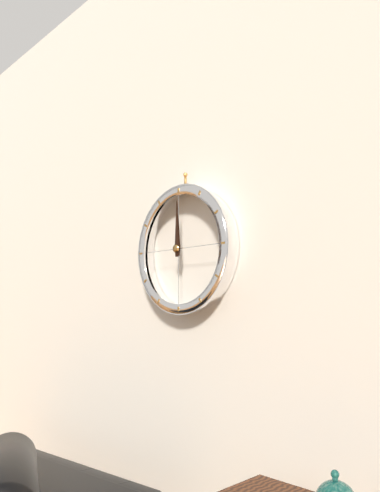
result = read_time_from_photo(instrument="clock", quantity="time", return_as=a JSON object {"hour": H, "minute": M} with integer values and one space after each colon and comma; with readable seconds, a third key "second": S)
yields {"hour": 12, "minute": 0}
